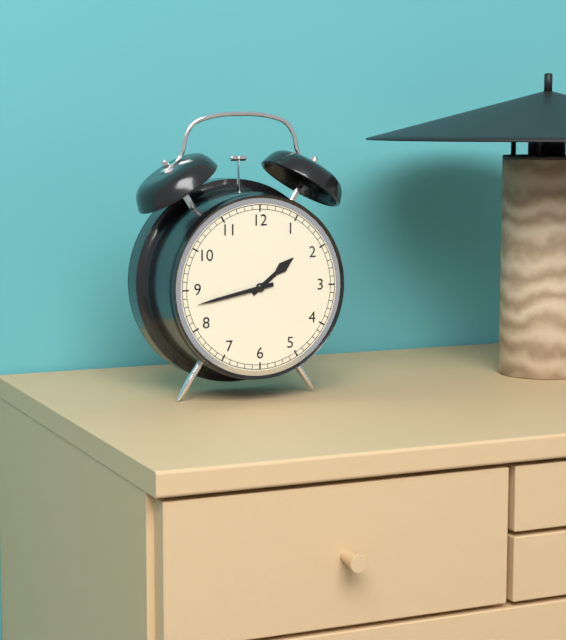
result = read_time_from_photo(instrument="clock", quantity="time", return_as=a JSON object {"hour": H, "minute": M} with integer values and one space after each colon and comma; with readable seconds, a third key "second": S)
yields {"hour": 1, "minute": 43}
